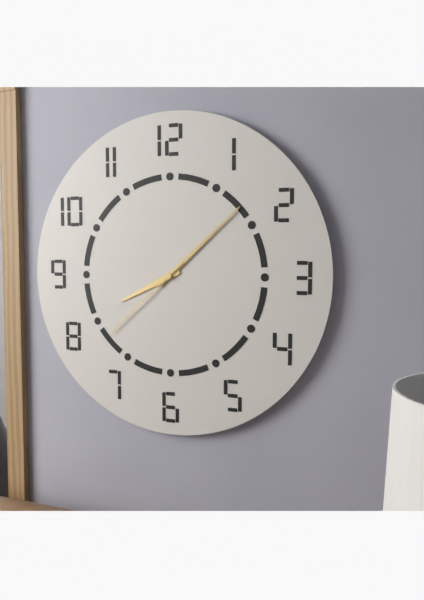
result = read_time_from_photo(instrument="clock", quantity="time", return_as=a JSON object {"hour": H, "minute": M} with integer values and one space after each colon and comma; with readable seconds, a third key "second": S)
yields {"hour": 8, "minute": 8, "second": 38}
